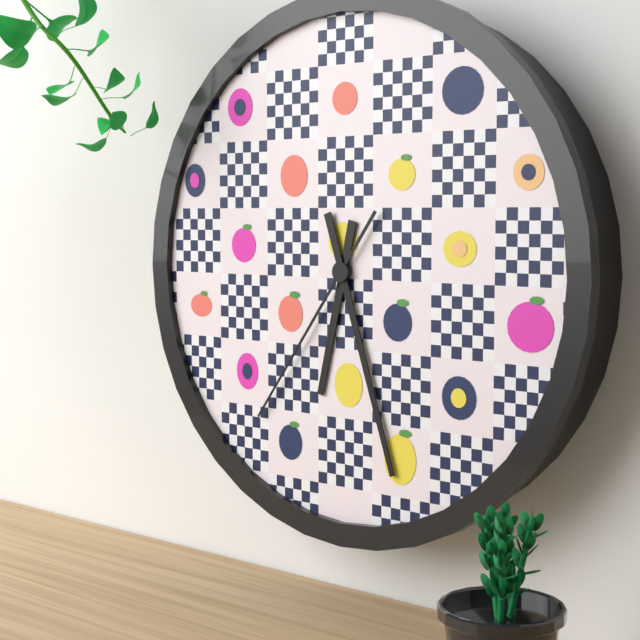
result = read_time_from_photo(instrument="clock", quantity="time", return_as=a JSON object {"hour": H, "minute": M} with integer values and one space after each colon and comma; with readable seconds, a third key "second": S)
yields {"hour": 6, "minute": 27, "second": 36}
